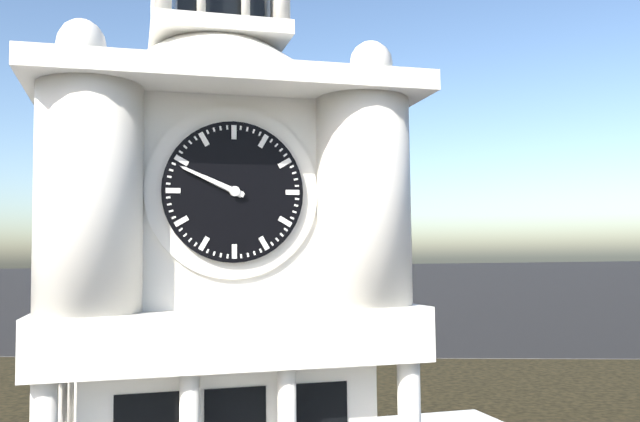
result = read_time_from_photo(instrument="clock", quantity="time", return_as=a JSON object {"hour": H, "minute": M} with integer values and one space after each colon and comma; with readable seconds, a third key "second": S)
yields {"hour": 9, "minute": 49}
